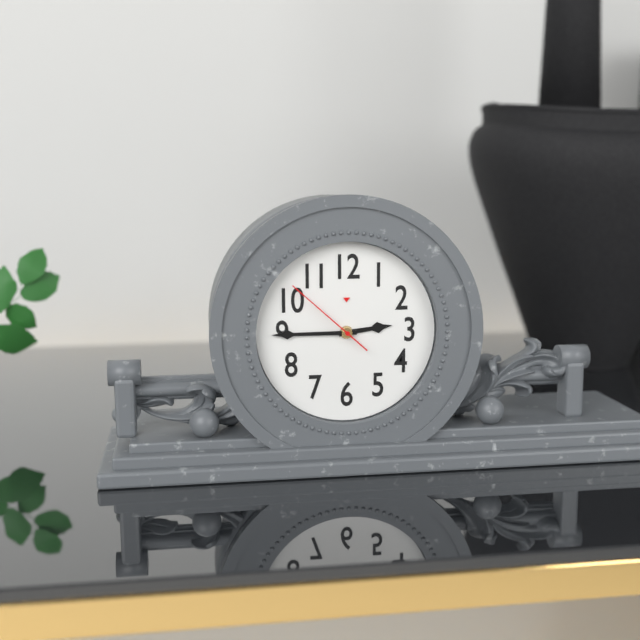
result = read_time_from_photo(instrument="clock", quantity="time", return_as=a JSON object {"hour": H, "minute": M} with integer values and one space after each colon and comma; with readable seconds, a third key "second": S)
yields {"hour": 2, "minute": 45, "second": 52}
